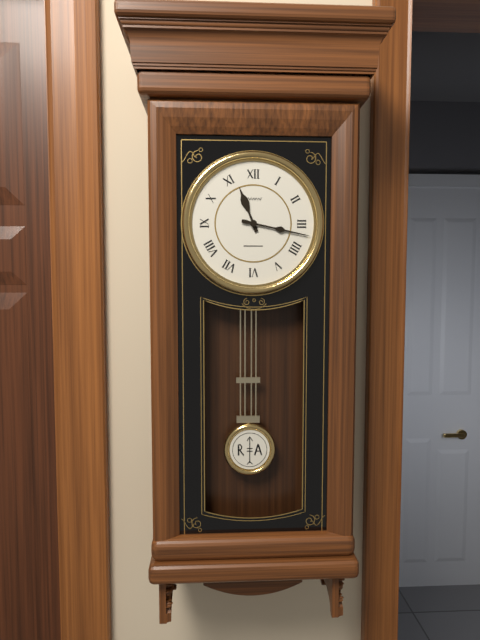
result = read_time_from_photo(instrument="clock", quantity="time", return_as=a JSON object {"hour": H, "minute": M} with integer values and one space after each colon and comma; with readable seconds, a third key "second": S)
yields {"hour": 11, "minute": 17}
